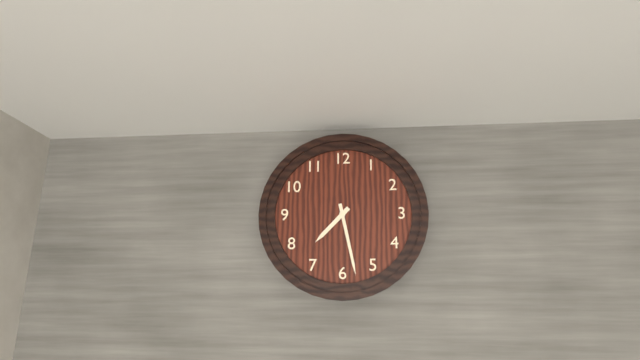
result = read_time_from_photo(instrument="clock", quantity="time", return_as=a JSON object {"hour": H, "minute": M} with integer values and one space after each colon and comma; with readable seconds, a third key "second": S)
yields {"hour": 7, "minute": 28}
